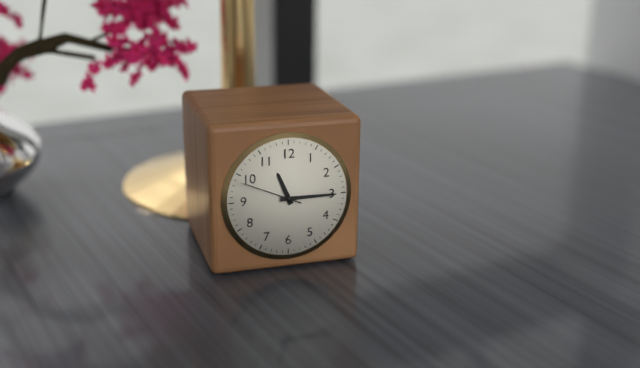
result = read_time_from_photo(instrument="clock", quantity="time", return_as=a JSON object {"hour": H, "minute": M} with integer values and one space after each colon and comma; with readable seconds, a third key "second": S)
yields {"hour": 11, "minute": 15, "second": 49}
